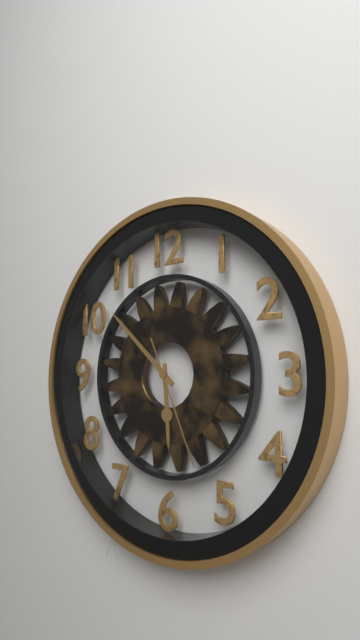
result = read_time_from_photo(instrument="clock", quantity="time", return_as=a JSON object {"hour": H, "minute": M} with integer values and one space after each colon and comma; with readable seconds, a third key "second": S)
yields {"hour": 5, "minute": 52, "second": 26}
